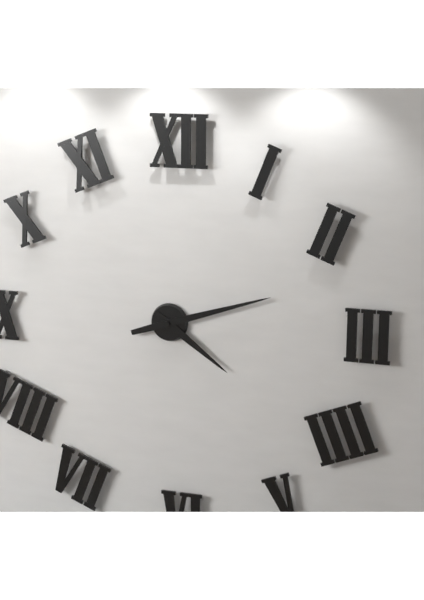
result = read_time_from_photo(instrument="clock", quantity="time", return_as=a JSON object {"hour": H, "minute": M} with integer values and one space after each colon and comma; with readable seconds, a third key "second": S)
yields {"hour": 4, "minute": 12}
